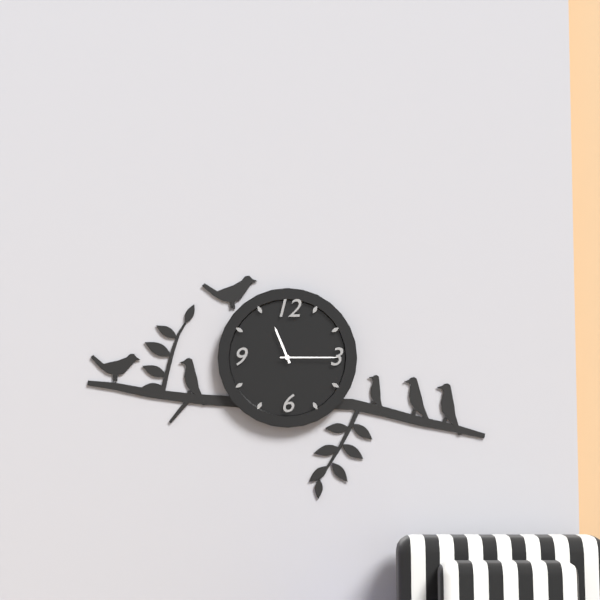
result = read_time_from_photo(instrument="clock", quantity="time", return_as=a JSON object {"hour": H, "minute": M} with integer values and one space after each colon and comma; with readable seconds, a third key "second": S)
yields {"hour": 11, "minute": 15}
